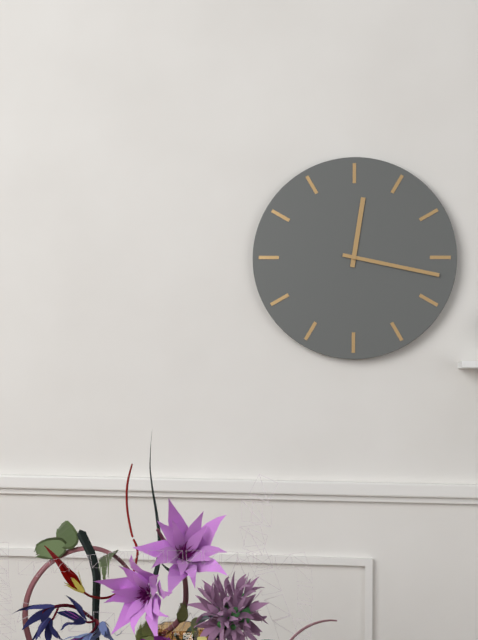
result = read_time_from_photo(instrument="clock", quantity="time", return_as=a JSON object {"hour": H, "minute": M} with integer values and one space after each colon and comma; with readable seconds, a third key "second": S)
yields {"hour": 12, "minute": 17}
